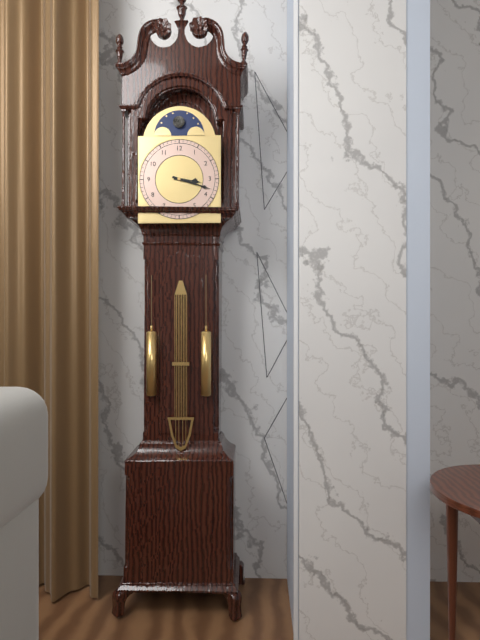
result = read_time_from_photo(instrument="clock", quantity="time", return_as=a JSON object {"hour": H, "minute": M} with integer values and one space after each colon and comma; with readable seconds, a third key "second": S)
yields {"hour": 3, "minute": 18}
